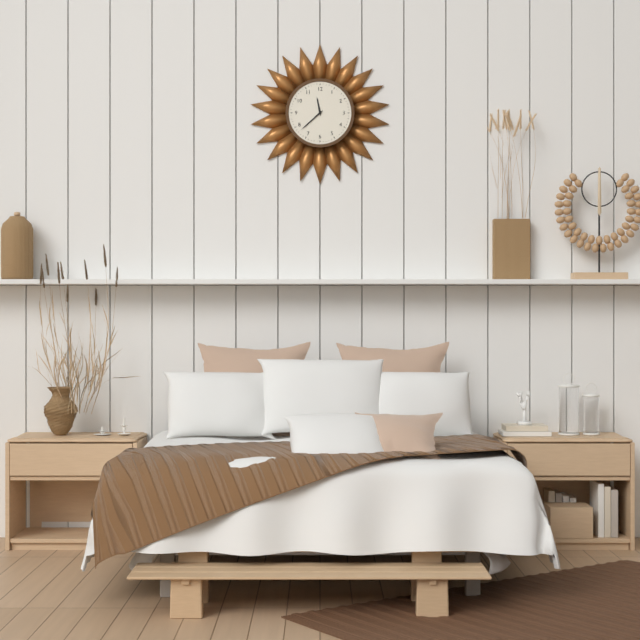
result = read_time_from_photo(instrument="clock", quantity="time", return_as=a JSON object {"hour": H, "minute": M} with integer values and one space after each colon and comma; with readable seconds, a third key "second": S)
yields {"hour": 11, "minute": 38}
